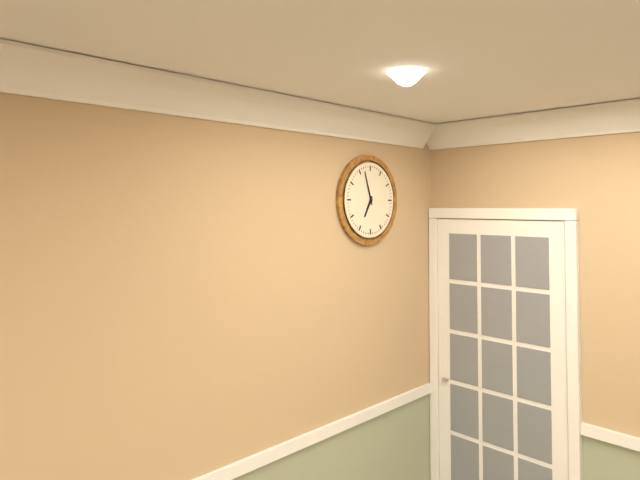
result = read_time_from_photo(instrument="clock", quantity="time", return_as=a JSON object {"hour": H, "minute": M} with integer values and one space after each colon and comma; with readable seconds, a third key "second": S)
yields {"hour": 6, "minute": 57}
